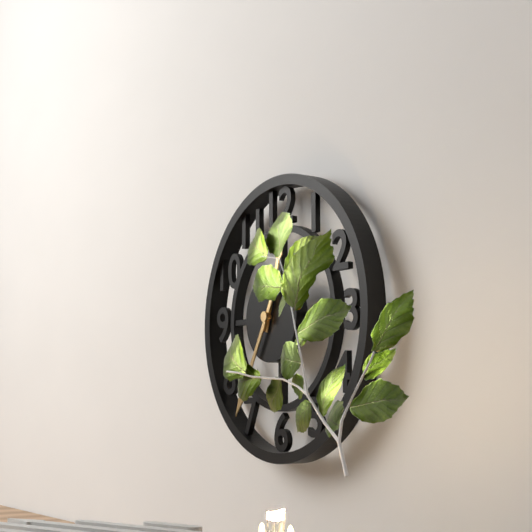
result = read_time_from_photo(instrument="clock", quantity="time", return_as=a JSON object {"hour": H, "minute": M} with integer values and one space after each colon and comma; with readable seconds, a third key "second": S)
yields {"hour": 12, "minute": 35}
